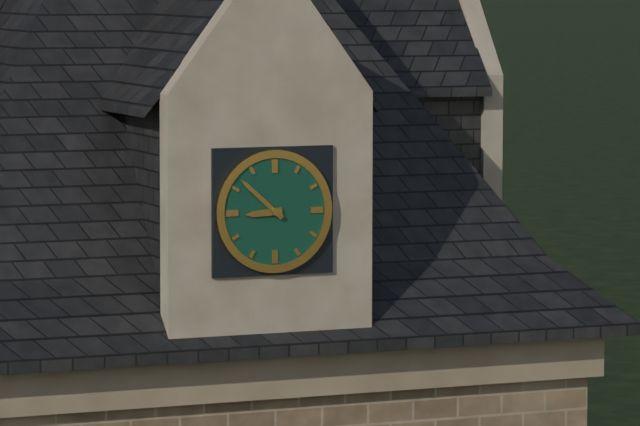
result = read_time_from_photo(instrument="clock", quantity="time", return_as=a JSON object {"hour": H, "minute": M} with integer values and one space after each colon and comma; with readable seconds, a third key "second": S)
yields {"hour": 8, "minute": 52}
